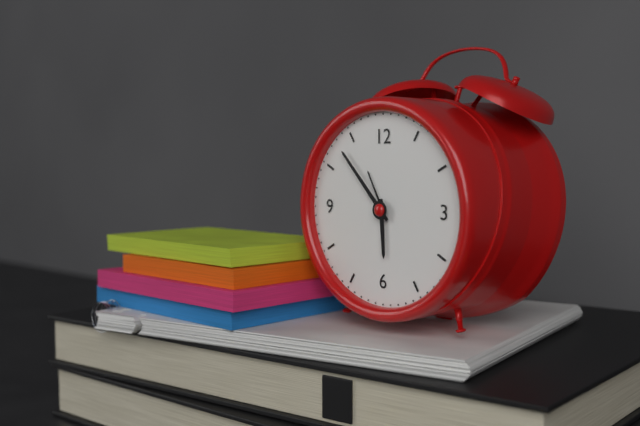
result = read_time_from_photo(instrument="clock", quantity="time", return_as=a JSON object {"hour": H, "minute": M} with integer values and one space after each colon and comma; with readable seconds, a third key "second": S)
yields {"hour": 5, "minute": 53}
